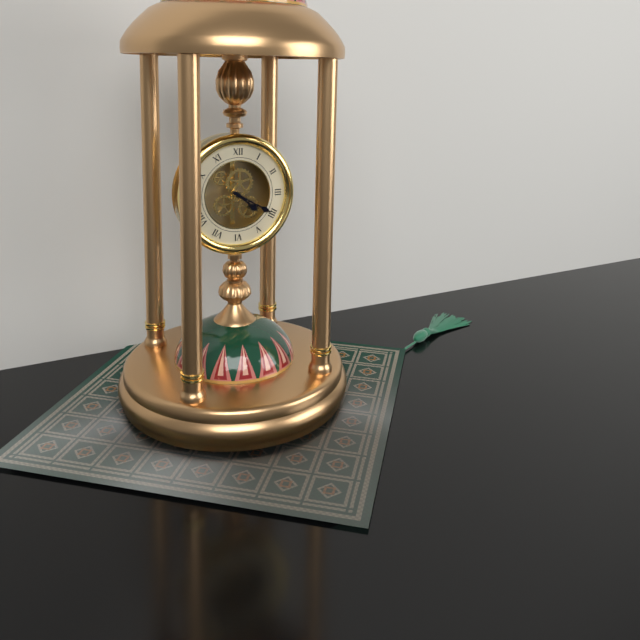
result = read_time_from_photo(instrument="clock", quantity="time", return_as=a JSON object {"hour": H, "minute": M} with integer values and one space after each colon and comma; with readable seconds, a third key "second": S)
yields {"hour": 4, "minute": 20}
